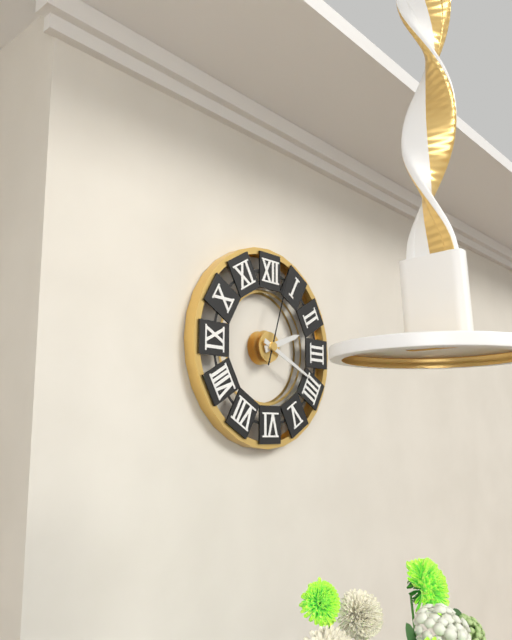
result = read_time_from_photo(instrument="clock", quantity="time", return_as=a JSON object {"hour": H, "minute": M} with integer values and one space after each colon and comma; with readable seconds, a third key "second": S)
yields {"hour": 2, "minute": 19, "second": 3}
